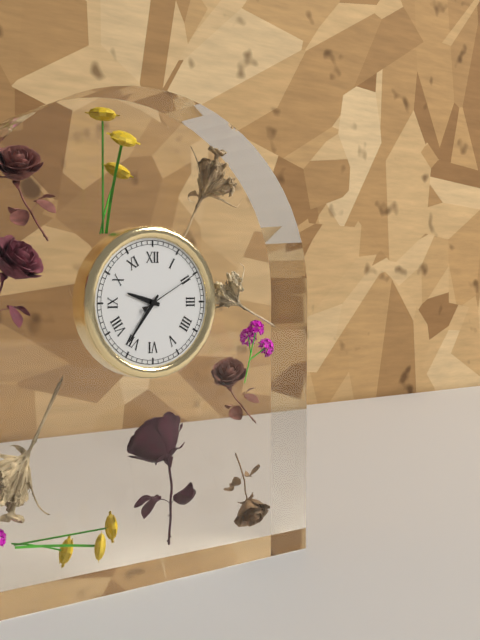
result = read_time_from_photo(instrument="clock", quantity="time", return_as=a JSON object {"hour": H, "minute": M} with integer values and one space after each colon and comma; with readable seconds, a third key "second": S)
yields {"hour": 9, "minute": 36, "second": 10}
